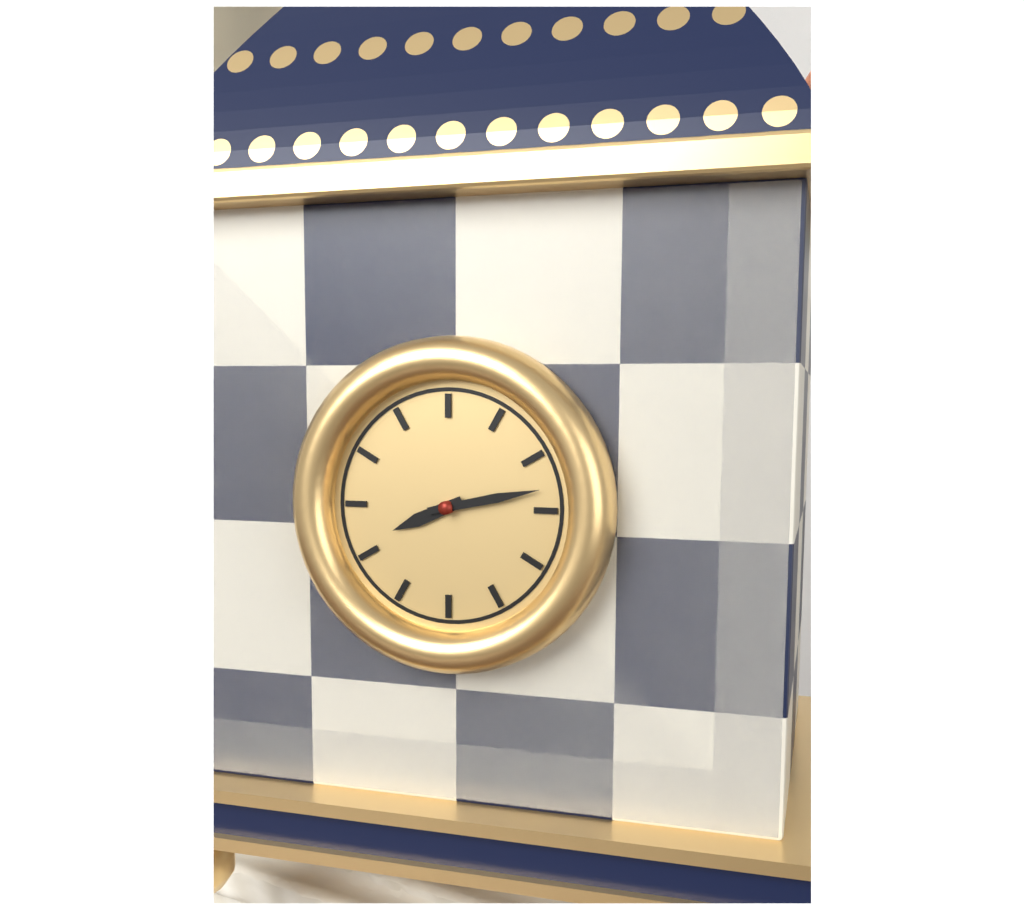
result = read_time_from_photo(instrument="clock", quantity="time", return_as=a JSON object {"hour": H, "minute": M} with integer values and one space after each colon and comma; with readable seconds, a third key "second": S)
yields {"hour": 8, "minute": 13}
